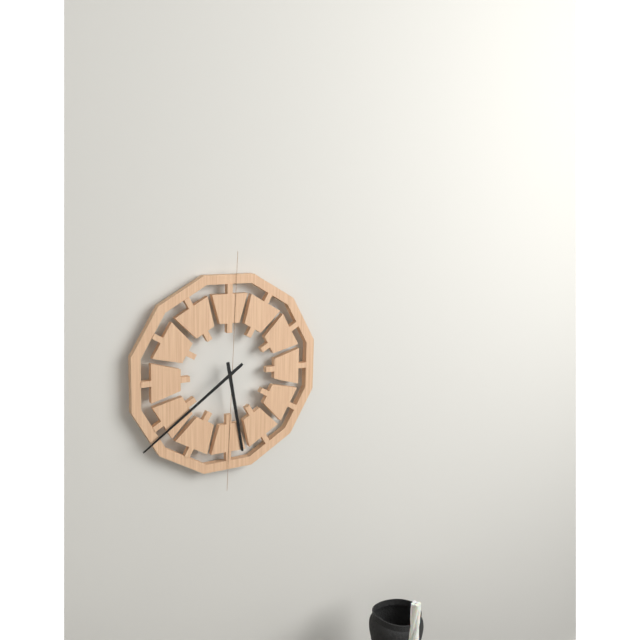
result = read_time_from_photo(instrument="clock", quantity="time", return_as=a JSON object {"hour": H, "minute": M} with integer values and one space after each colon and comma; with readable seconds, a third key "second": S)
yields {"hour": 5, "minute": 39}
